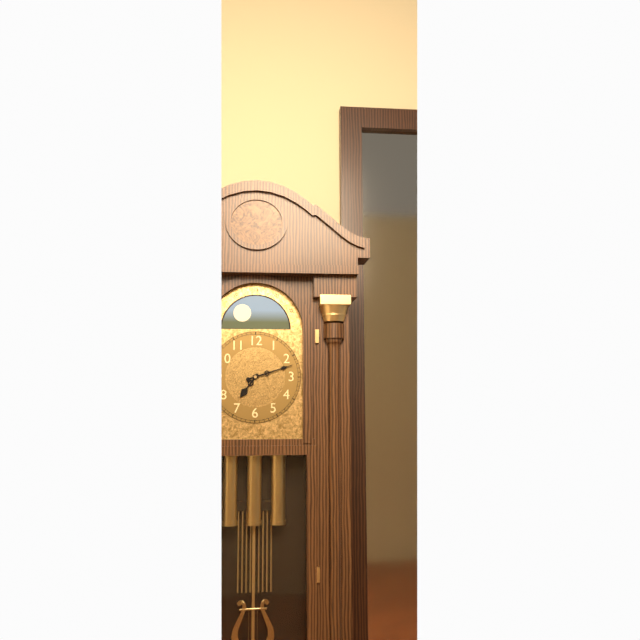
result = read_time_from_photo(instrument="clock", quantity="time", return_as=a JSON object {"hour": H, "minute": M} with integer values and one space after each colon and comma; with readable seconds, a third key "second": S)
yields {"hour": 7, "minute": 12}
